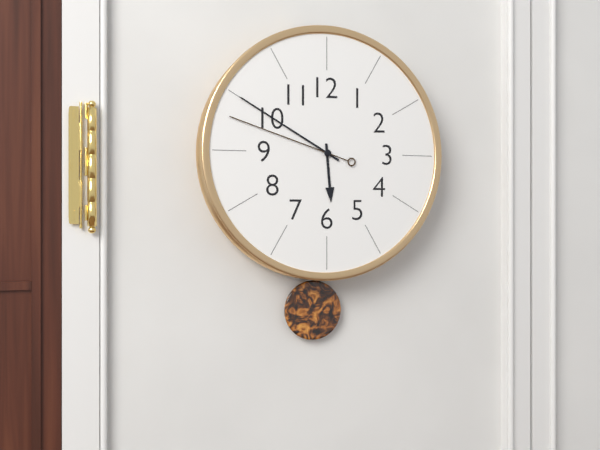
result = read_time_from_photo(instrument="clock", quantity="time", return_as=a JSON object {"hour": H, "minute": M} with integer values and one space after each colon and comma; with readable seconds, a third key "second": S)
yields {"hour": 5, "minute": 50, "second": 48}
